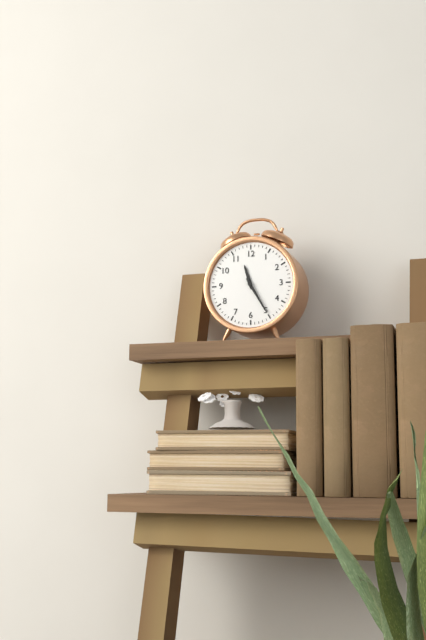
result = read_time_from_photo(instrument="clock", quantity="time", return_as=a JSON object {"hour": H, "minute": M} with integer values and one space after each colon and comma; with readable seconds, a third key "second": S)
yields {"hour": 11, "minute": 25}
